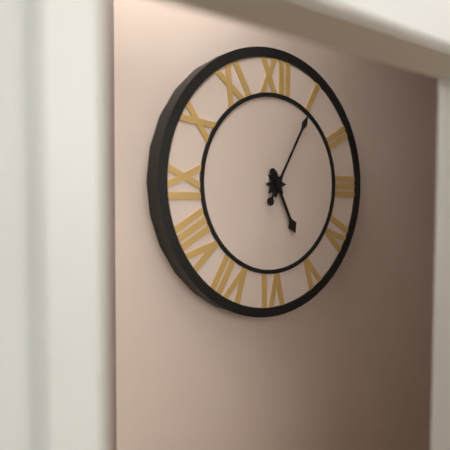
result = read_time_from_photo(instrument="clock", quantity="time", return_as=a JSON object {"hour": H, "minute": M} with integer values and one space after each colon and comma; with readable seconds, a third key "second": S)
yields {"hour": 5, "minute": 5}
